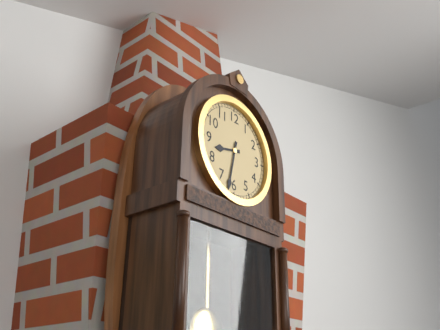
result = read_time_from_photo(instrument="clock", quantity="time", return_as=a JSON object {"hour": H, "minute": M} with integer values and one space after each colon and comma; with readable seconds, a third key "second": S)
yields {"hour": 8, "minute": 32}
